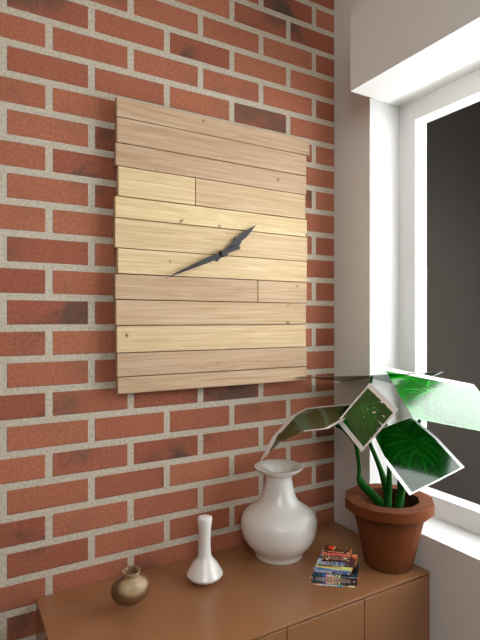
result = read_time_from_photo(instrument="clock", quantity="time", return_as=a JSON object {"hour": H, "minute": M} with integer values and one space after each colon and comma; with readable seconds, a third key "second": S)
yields {"hour": 1, "minute": 41}
